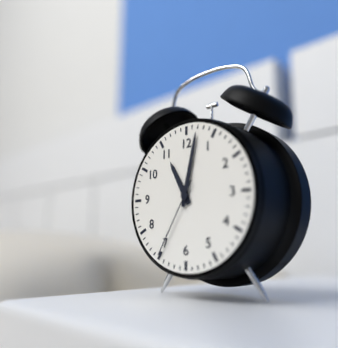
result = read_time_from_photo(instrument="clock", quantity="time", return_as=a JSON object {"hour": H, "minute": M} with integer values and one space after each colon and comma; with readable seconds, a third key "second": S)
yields {"hour": 11, "minute": 2, "second": 35}
